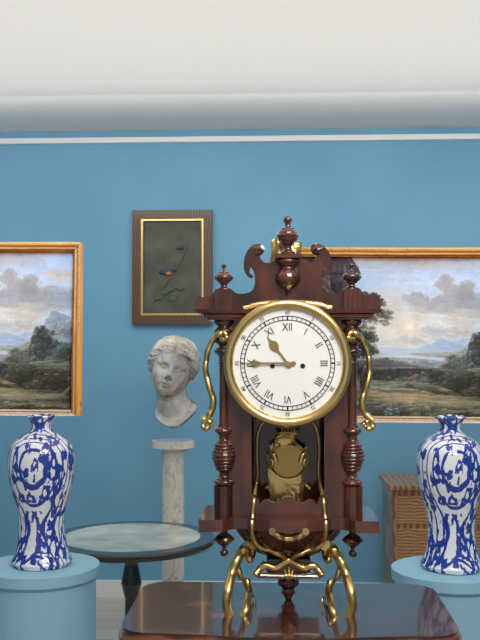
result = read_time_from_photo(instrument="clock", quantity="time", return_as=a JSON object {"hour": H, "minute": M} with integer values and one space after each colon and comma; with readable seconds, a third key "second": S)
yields {"hour": 10, "minute": 45}
